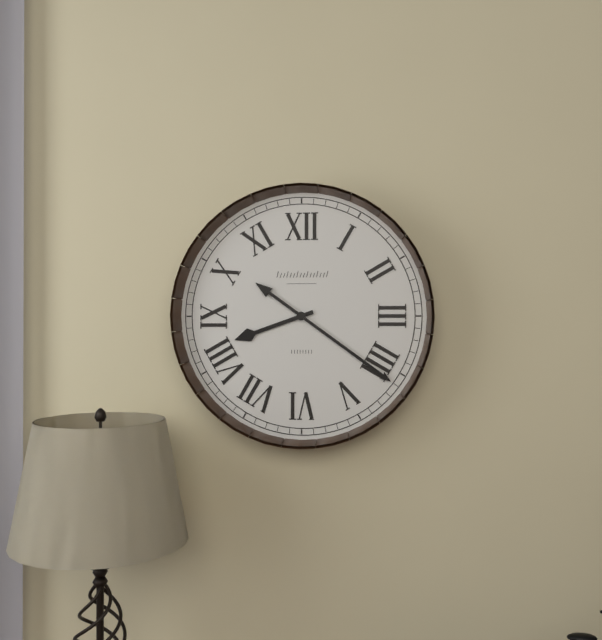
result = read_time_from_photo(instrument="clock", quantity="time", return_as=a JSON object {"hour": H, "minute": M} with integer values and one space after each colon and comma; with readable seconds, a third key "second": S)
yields {"hour": 8, "minute": 21}
